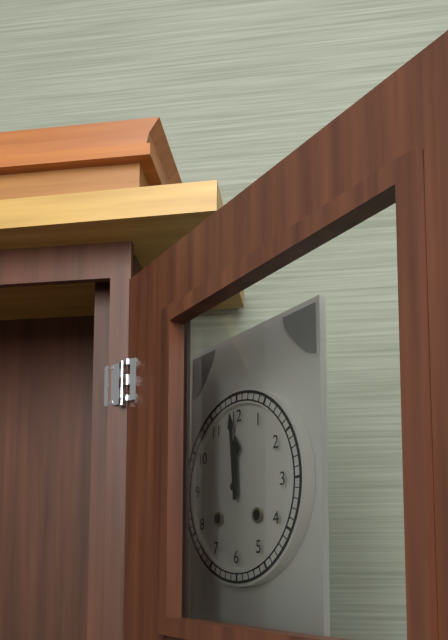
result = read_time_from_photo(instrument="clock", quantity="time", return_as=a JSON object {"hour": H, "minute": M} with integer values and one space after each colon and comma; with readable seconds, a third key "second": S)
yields {"hour": 11, "minute": 59}
